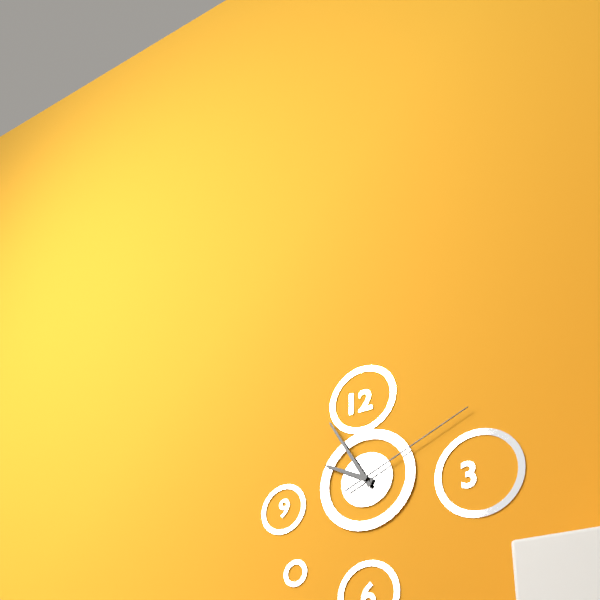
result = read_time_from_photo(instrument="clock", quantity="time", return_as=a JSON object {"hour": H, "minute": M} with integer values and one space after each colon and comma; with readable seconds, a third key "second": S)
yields {"hour": 9, "minute": 55, "second": 11}
